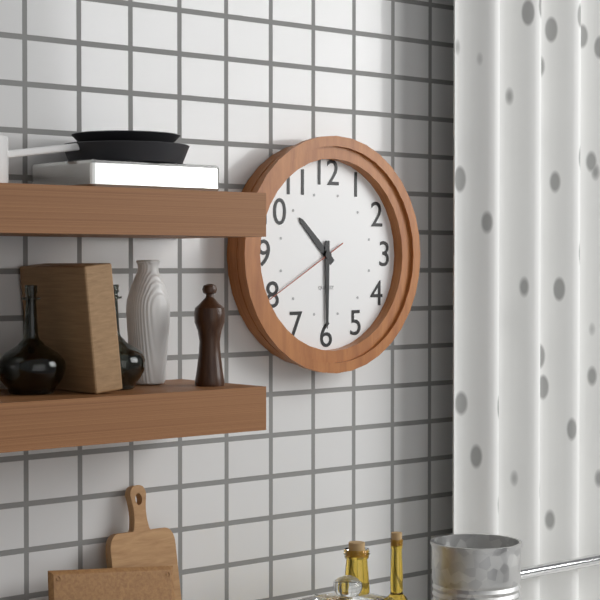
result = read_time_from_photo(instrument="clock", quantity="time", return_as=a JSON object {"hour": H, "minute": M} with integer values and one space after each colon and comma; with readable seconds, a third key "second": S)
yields {"hour": 10, "minute": 30, "second": 40}
